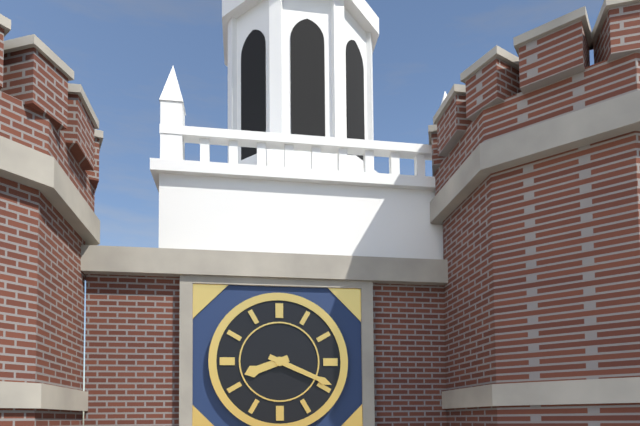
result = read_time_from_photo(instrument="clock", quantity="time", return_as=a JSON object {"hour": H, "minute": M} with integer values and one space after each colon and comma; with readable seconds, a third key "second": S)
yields {"hour": 8, "minute": 19}
